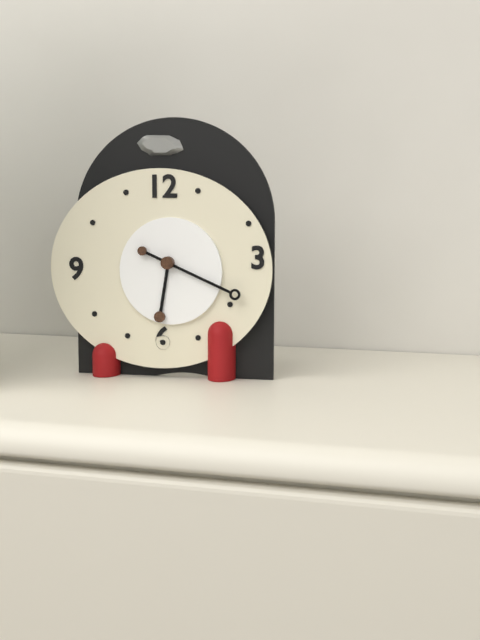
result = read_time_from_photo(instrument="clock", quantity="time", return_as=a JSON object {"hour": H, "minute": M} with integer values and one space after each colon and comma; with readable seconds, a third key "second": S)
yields {"hour": 6, "minute": 19}
